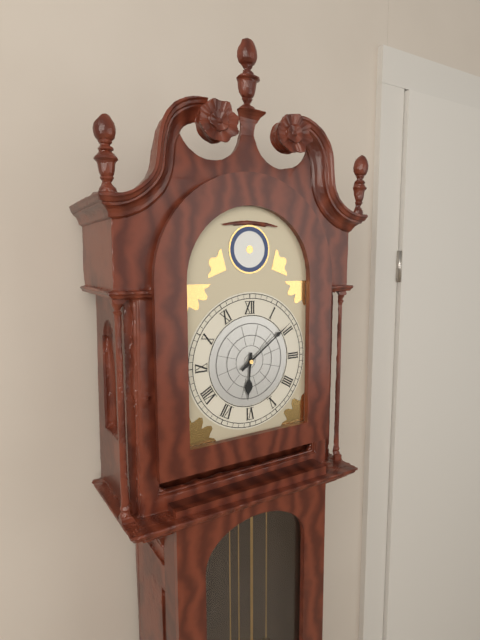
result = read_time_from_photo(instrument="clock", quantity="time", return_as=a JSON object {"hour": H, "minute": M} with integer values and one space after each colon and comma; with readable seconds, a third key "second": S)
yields {"hour": 6, "minute": 9}
